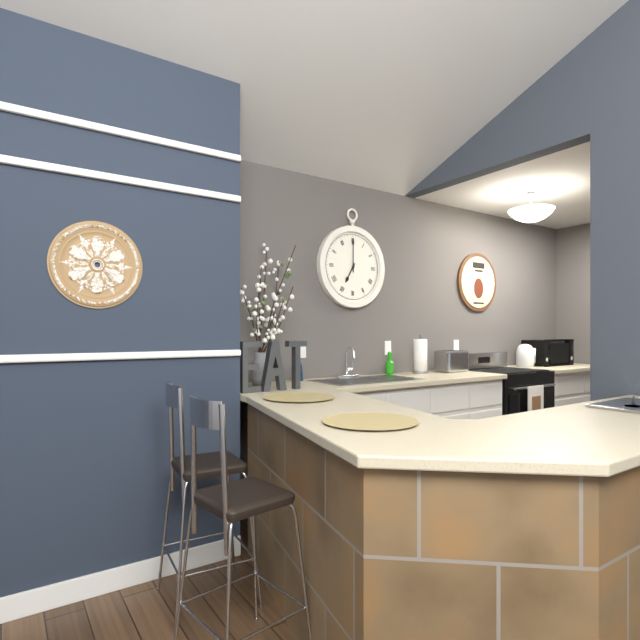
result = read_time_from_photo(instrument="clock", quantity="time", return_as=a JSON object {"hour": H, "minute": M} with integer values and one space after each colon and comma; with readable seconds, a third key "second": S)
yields {"hour": 7, "minute": 0}
